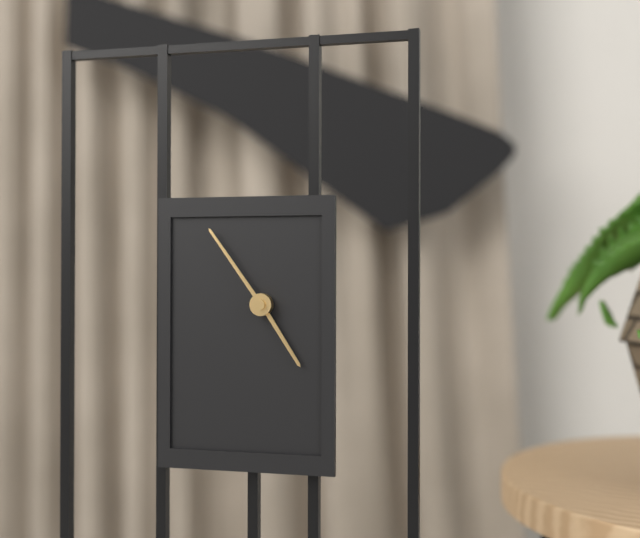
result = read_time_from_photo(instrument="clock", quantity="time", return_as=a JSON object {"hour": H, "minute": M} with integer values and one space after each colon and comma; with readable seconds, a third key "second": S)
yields {"hour": 4, "minute": 54}
